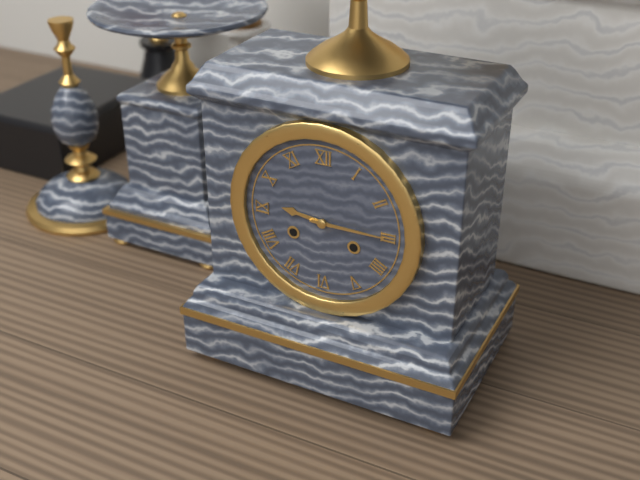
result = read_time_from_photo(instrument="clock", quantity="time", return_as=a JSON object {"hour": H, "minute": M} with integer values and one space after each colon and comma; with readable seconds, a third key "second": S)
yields {"hour": 9, "minute": 15}
